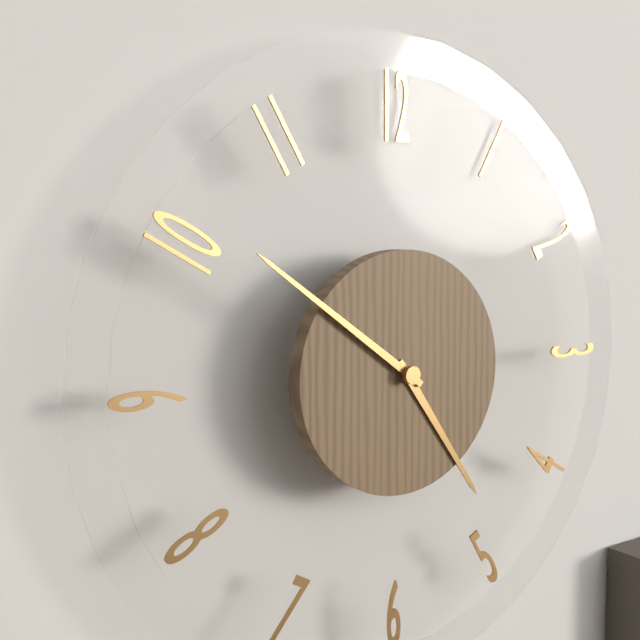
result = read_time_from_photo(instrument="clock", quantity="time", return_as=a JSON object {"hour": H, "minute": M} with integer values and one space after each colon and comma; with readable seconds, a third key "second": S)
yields {"hour": 4, "minute": 51}
